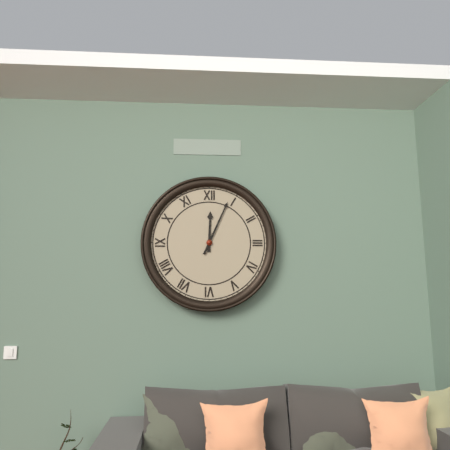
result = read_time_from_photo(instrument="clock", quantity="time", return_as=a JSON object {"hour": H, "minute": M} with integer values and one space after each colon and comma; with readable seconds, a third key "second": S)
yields {"hour": 12, "minute": 4}
